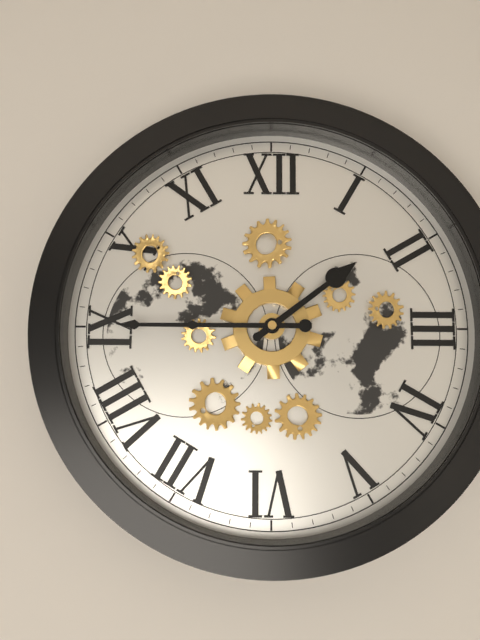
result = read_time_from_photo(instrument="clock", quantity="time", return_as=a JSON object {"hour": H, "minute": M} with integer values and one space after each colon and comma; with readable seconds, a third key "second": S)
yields {"hour": 1, "minute": 45}
